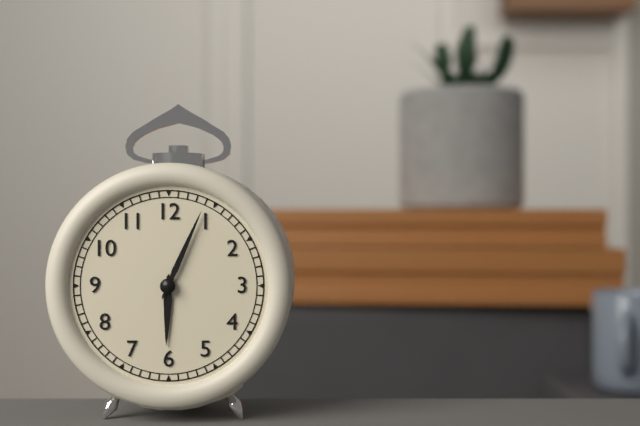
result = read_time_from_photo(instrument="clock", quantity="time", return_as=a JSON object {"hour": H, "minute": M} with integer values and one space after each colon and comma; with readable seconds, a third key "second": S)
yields {"hour": 6, "minute": 4}
